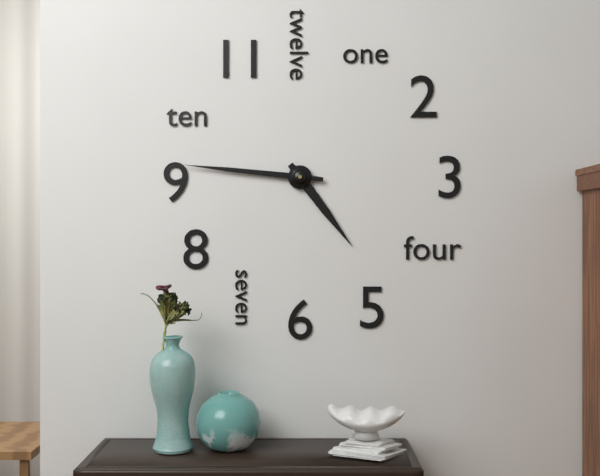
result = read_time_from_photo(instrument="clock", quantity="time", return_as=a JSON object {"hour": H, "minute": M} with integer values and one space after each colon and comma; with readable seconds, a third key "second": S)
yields {"hour": 4, "minute": 46}
